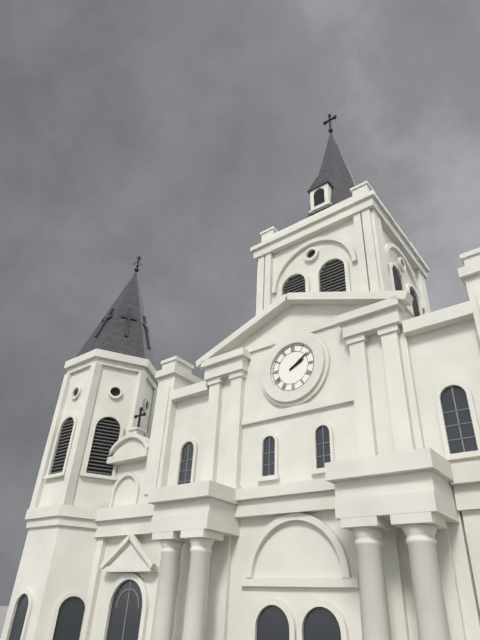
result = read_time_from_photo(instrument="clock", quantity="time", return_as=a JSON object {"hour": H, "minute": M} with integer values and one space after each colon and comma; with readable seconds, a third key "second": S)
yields {"hour": 2, "minute": 9}
